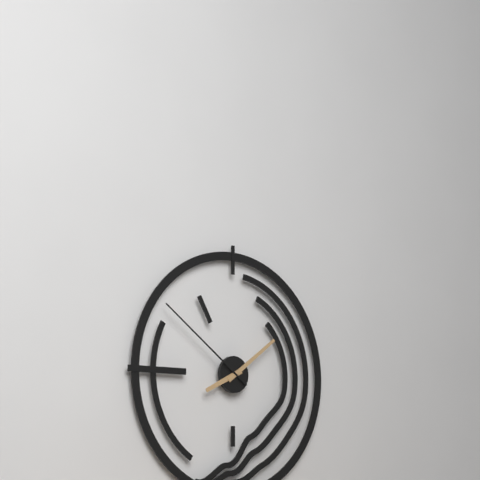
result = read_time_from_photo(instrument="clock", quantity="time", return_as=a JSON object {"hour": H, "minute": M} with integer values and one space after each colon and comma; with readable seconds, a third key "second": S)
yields {"hour": 8, "minute": 9, "second": 51}
